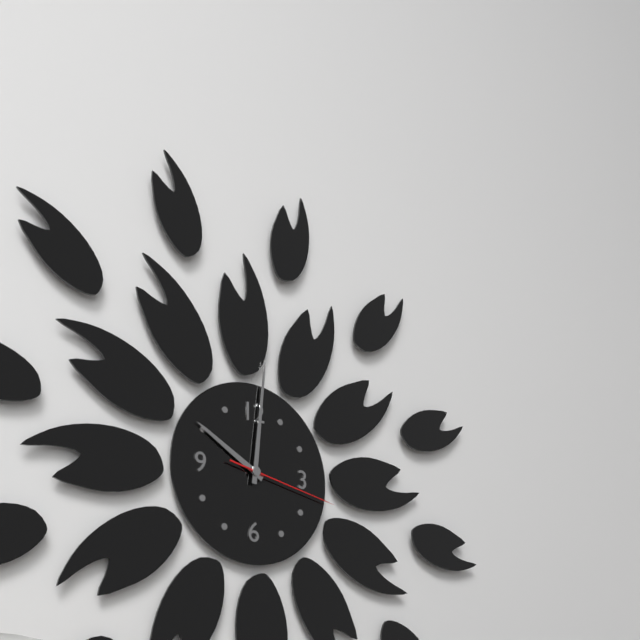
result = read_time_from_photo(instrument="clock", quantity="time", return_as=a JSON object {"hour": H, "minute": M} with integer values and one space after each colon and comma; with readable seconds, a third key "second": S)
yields {"hour": 10, "minute": 1, "second": 17}
